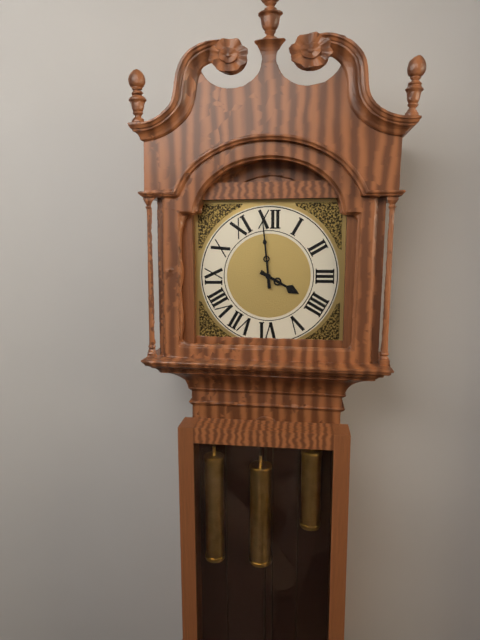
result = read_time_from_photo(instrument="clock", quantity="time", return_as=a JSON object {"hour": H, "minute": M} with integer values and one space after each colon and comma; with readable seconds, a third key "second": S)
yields {"hour": 3, "minute": 59}
